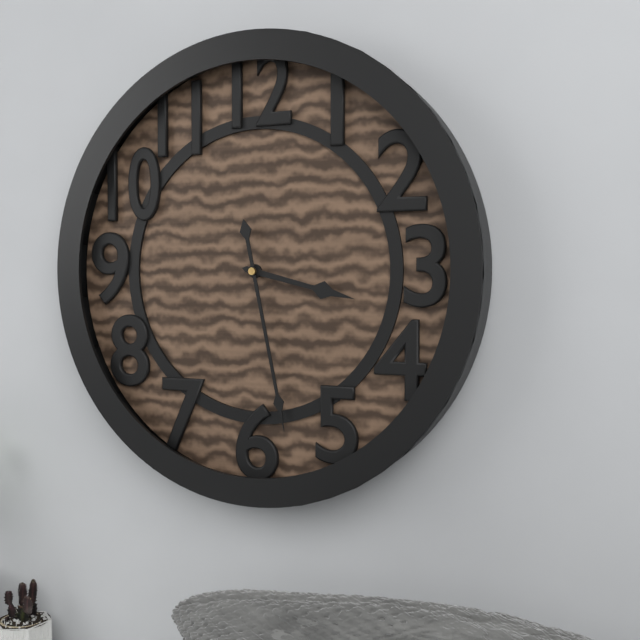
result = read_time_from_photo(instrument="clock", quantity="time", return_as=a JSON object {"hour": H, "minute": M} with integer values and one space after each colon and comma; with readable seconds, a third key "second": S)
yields {"hour": 3, "minute": 28}
